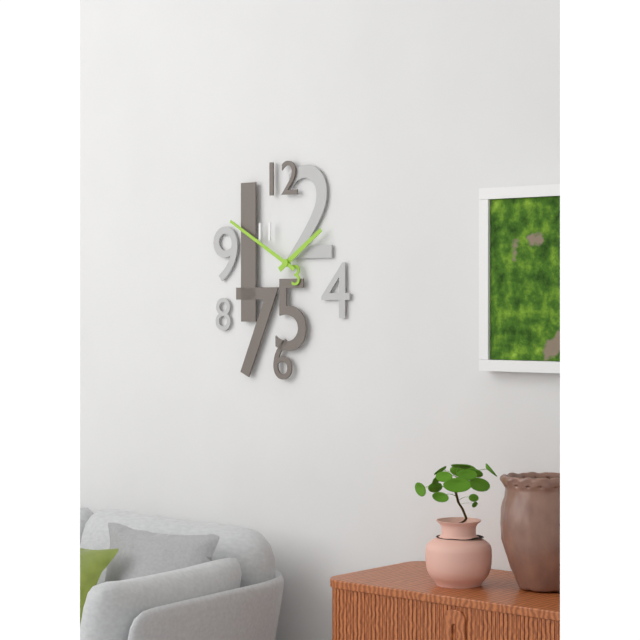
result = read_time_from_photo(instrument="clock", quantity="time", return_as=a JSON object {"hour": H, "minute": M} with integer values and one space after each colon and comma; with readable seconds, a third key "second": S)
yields {"hour": 1, "minute": 50}
